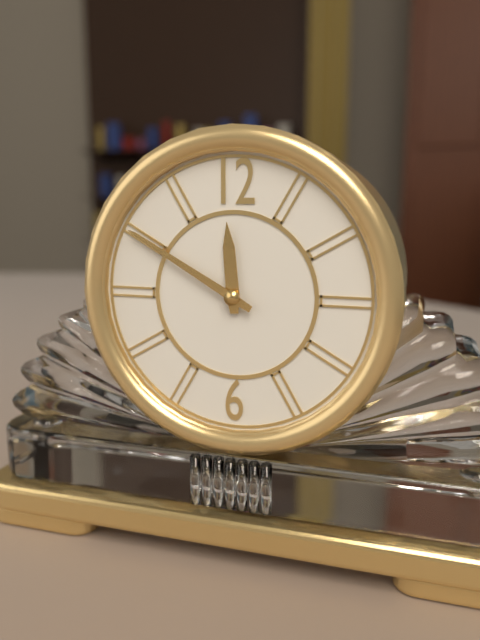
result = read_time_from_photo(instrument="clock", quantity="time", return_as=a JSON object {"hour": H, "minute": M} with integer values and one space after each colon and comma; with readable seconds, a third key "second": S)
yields {"hour": 11, "minute": 50}
